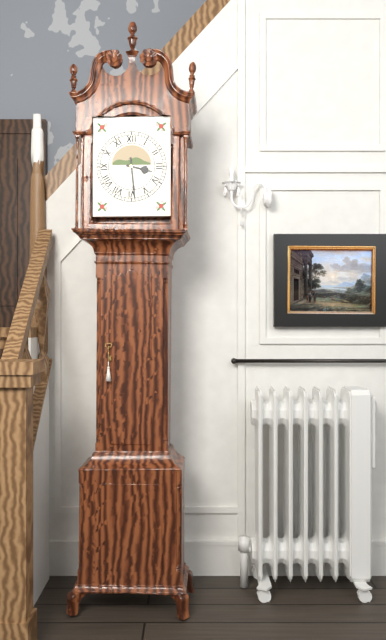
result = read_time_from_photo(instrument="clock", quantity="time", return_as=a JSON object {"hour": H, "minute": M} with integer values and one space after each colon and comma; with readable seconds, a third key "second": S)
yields {"hour": 3, "minute": 29}
